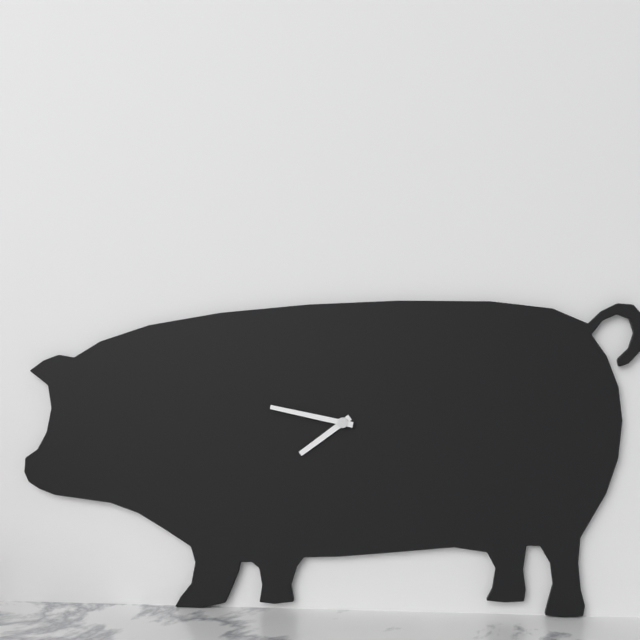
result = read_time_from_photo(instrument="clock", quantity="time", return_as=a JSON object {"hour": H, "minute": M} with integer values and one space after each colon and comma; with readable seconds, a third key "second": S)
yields {"hour": 7, "minute": 47}
